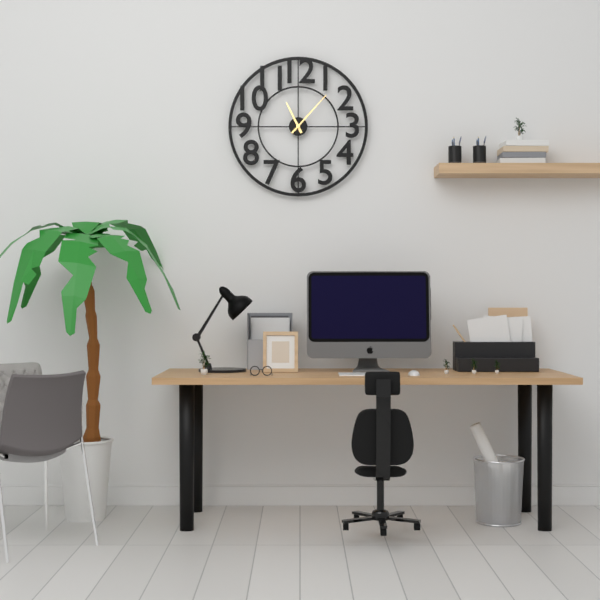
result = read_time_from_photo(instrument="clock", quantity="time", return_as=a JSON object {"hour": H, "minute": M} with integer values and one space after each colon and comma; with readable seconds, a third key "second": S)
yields {"hour": 11, "minute": 7}
